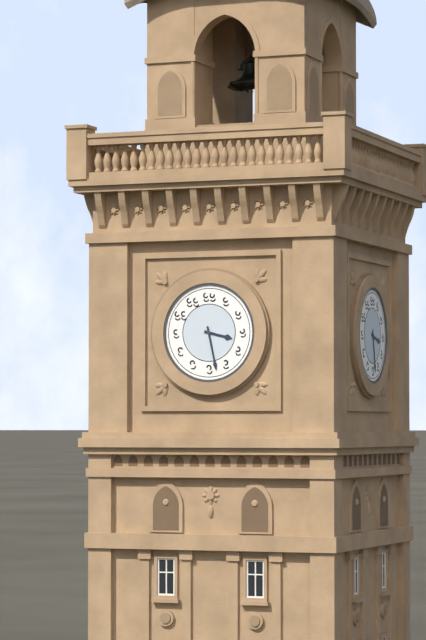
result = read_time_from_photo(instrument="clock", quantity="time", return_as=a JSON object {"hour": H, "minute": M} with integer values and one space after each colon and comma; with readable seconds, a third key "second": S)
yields {"hour": 3, "minute": 28}
